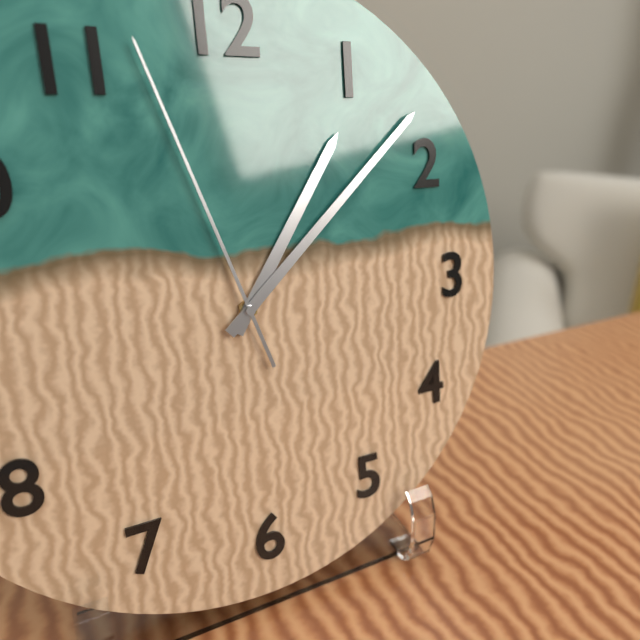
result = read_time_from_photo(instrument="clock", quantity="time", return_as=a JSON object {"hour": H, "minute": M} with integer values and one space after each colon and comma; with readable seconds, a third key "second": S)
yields {"hour": 1, "minute": 8, "second": 57}
